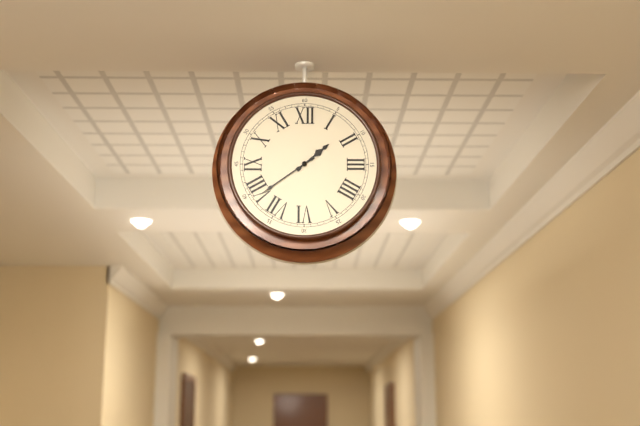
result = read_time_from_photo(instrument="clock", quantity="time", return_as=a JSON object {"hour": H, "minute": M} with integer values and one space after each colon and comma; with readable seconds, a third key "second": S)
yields {"hour": 1, "minute": 39}
